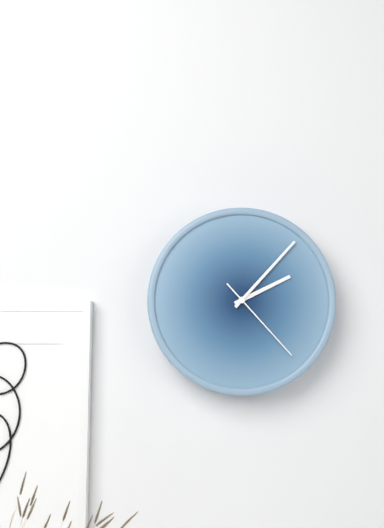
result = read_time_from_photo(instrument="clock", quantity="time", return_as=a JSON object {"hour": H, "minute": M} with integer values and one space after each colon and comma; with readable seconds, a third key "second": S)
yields {"hour": 2, "minute": 7, "second": 23}
